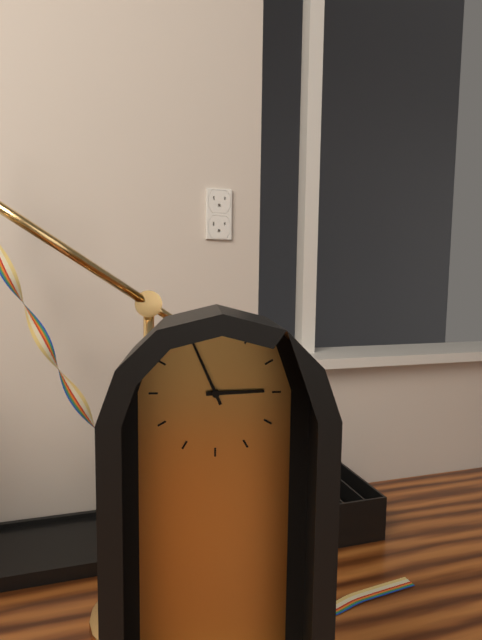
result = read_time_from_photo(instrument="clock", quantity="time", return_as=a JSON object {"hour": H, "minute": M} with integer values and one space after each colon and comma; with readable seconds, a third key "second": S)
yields {"hour": 2, "minute": 56}
